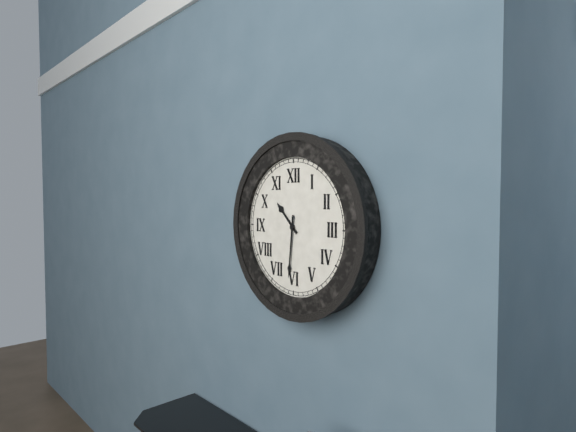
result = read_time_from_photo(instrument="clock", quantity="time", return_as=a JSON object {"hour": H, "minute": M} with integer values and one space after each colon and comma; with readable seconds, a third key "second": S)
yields {"hour": 10, "minute": 31}
